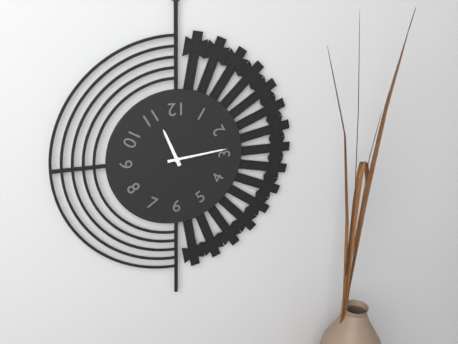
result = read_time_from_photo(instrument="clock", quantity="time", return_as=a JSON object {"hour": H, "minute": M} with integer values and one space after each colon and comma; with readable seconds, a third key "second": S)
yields {"hour": 11, "minute": 14}
